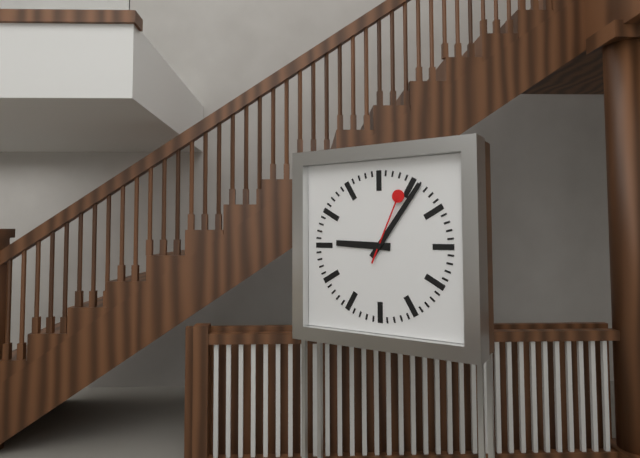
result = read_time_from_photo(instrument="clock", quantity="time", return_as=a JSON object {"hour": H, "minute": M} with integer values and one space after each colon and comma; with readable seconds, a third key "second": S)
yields {"hour": 9, "minute": 6, "second": 4}
